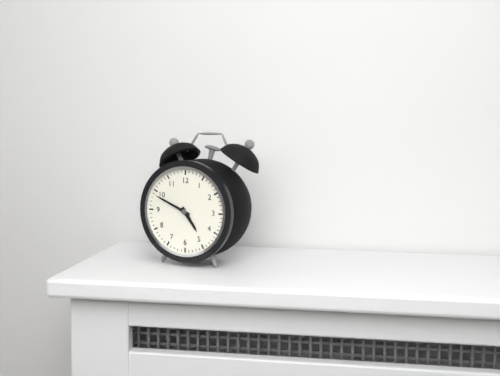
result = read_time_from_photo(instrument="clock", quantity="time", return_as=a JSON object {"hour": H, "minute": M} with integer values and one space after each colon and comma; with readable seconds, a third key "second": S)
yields {"hour": 4, "minute": 49}
